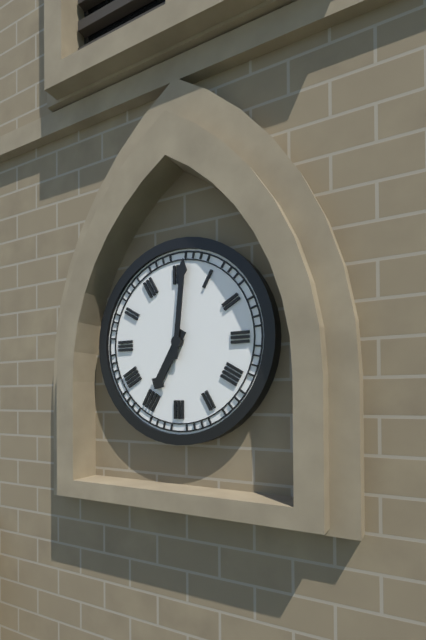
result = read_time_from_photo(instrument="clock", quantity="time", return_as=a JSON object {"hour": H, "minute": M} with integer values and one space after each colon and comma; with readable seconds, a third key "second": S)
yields {"hour": 7, "minute": 1}
